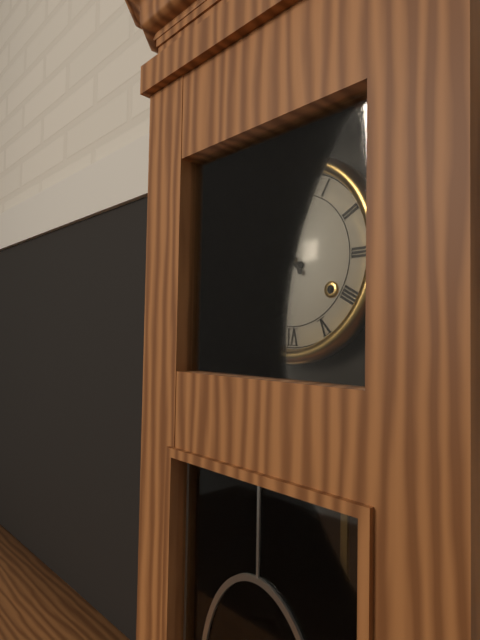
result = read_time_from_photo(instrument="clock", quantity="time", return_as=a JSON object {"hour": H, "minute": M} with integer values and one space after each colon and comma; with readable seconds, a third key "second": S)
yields {"hour": 9, "minute": 53}
